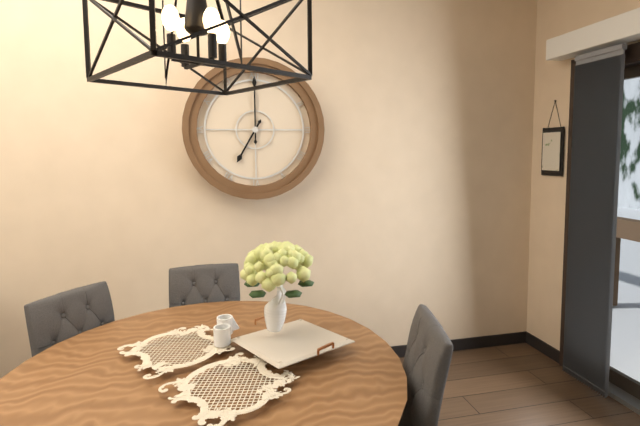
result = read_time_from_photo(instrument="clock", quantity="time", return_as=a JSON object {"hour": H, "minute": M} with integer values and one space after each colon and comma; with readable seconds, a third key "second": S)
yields {"hour": 7, "minute": 0}
